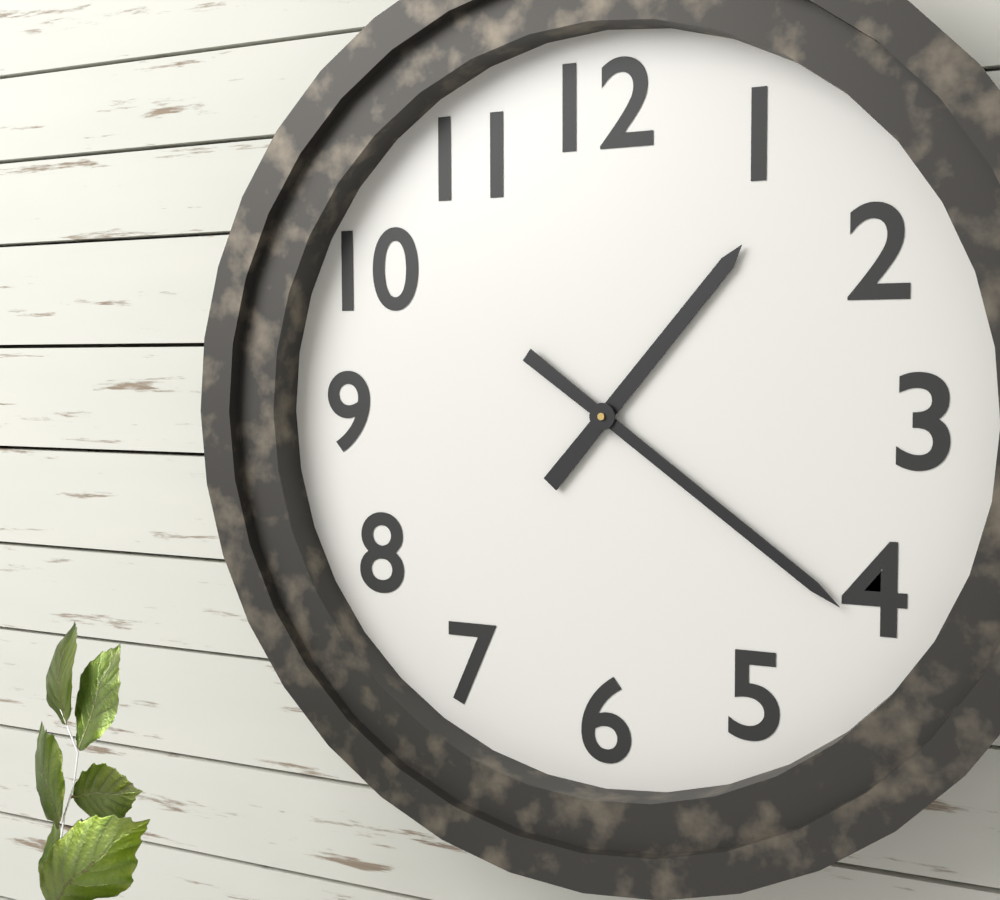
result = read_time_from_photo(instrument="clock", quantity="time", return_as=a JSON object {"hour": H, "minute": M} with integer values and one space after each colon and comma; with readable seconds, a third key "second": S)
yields {"hour": 1, "minute": 21}
